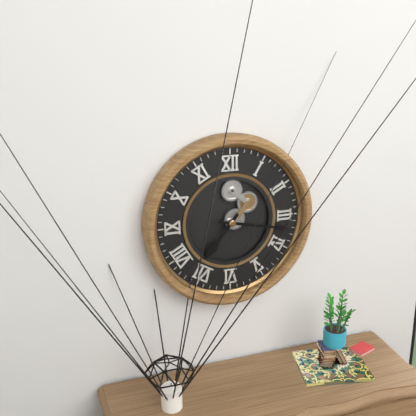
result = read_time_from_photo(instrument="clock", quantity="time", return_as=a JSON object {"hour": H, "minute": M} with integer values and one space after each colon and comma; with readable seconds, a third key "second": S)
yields {"hour": 7, "minute": 17}
